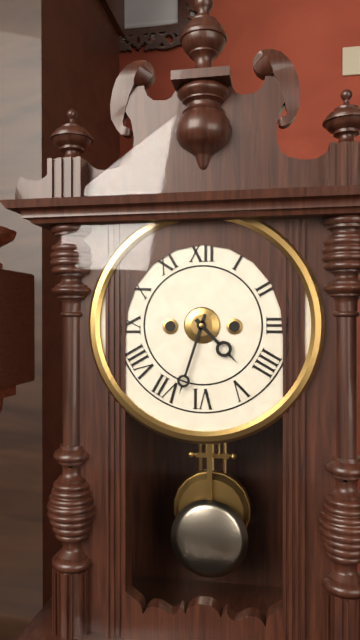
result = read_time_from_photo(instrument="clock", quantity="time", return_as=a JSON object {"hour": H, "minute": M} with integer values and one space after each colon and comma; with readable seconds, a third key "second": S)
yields {"hour": 4, "minute": 33}
